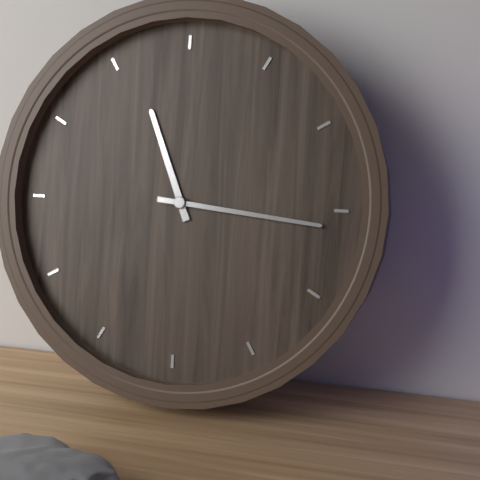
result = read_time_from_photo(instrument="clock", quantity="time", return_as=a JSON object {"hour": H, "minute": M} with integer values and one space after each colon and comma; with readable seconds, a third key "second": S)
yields {"hour": 11, "minute": 16}
